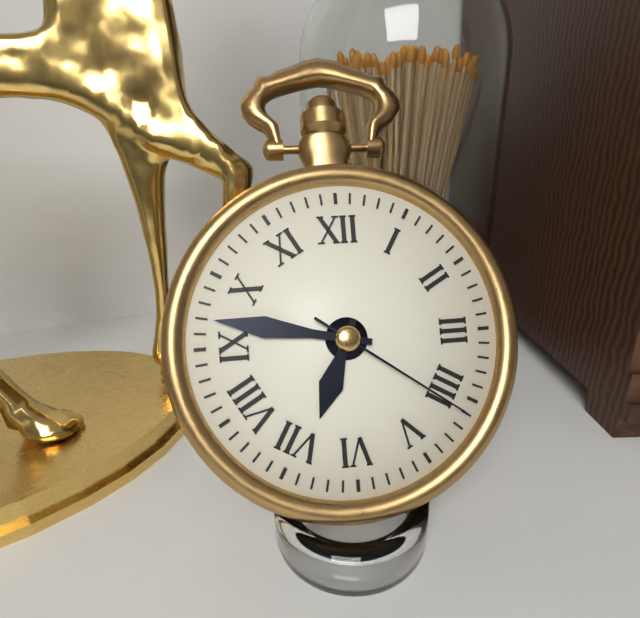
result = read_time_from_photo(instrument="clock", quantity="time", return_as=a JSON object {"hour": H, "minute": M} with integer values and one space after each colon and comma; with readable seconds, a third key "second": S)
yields {"hour": 6, "minute": 47, "second": 21}
